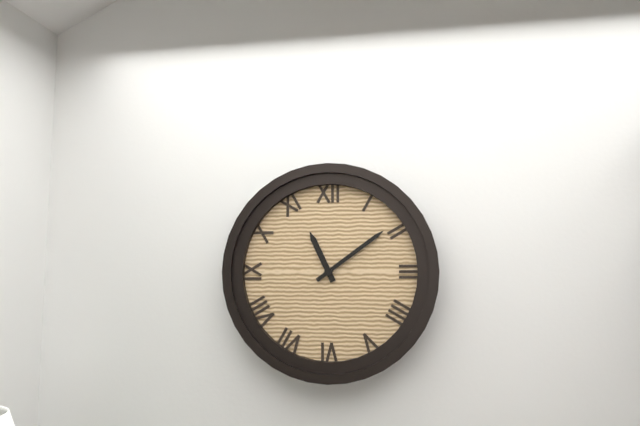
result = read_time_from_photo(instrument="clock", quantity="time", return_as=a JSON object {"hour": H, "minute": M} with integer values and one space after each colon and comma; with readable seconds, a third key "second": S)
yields {"hour": 11, "minute": 9}
